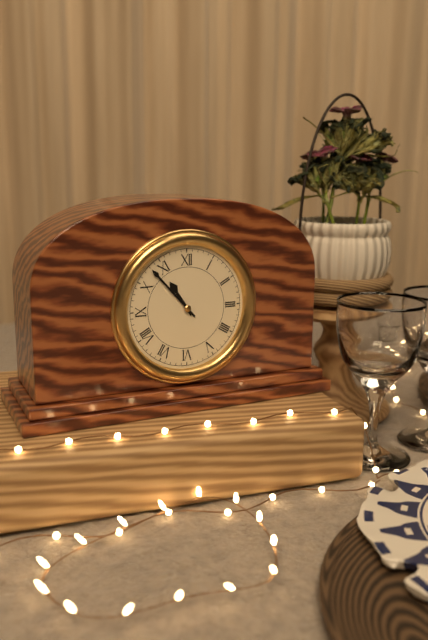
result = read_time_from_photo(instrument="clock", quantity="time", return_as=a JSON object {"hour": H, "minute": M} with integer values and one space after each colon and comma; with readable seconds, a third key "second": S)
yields {"hour": 10, "minute": 53}
